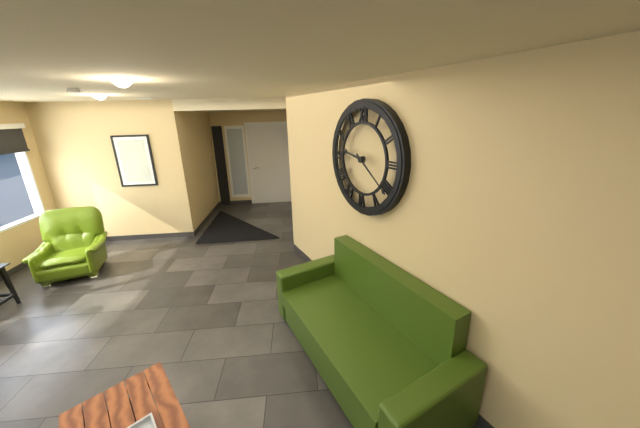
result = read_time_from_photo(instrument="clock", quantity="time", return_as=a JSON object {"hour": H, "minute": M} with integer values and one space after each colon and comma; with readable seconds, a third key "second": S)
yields {"hour": 9, "minute": 21}
